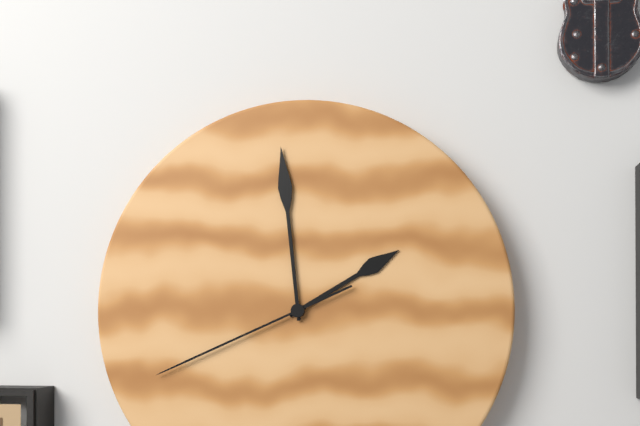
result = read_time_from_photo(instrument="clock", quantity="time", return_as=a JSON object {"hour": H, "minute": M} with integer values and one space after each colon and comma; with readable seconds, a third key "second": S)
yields {"hour": 1, "minute": 59, "second": 41}
